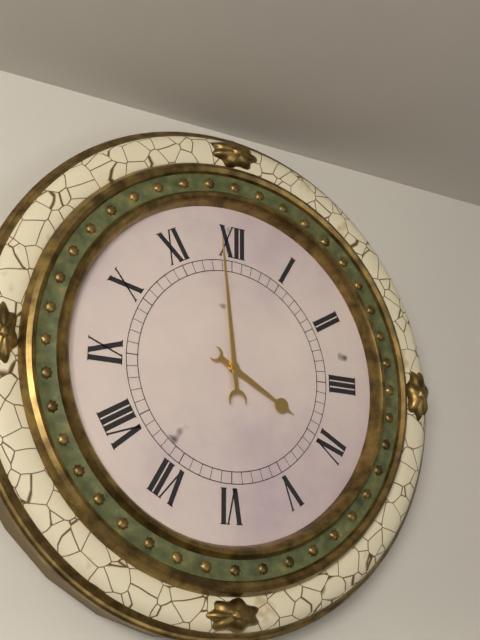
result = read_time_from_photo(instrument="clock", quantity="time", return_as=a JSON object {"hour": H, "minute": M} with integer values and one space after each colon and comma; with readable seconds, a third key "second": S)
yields {"hour": 3, "minute": 59}
